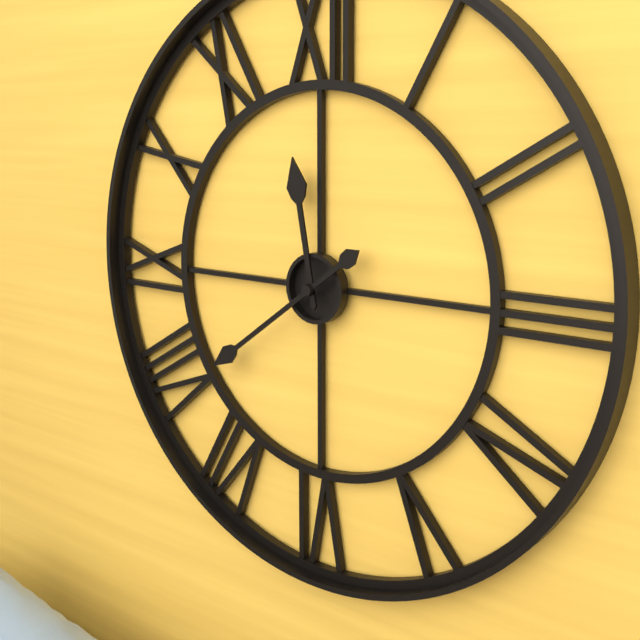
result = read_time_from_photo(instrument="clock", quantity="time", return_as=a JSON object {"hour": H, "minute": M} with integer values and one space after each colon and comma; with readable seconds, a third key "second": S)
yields {"hour": 11, "minute": 39}
